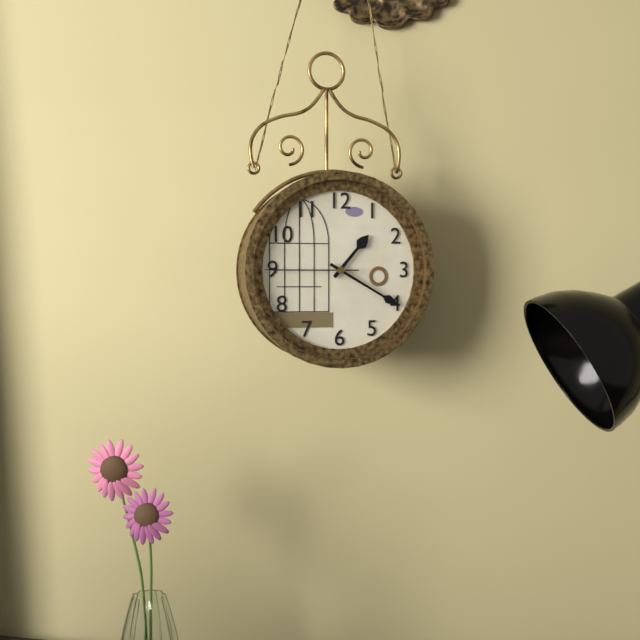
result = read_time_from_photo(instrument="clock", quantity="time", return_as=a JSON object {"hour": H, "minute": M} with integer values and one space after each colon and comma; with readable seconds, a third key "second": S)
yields {"hour": 1, "minute": 20, "second": 45}
